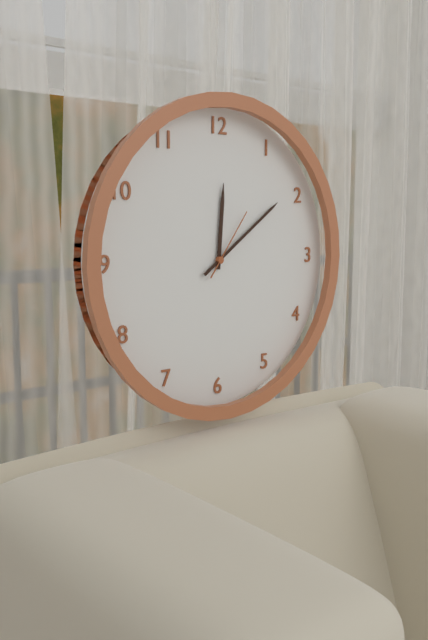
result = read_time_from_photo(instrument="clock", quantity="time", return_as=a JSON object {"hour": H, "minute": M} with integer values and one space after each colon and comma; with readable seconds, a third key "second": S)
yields {"hour": 12, "minute": 9, "second": 6}
